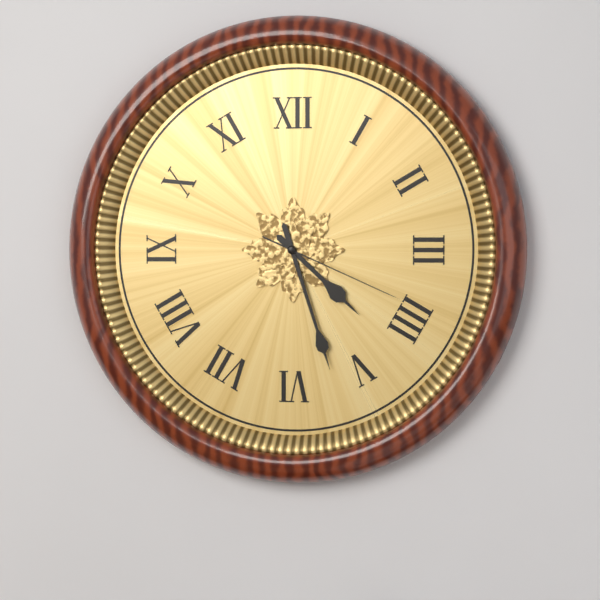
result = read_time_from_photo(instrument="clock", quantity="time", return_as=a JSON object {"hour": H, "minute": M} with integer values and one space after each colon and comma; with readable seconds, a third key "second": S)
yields {"hour": 4, "minute": 27, "second": 19}
